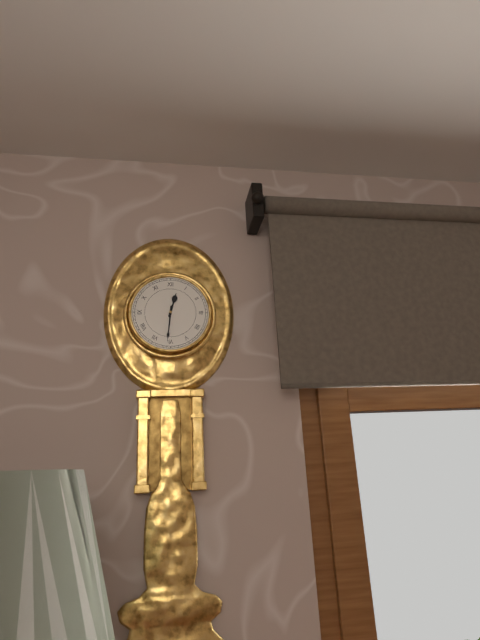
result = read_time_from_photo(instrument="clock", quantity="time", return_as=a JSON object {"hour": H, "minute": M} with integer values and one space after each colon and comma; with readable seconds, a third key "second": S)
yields {"hour": 12, "minute": 31}
